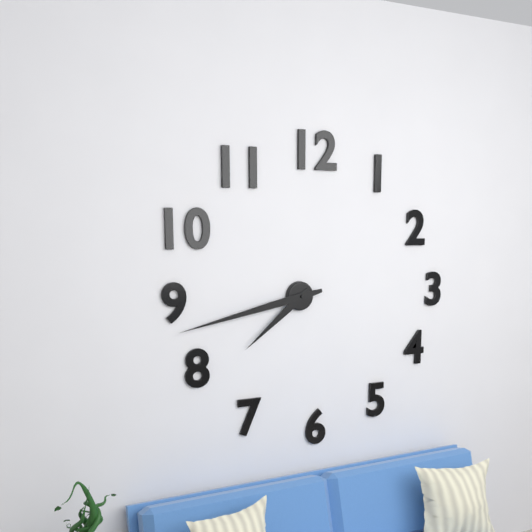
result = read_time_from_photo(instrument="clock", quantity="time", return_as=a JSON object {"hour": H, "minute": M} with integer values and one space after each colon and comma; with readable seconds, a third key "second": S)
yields {"hour": 7, "minute": 43}
